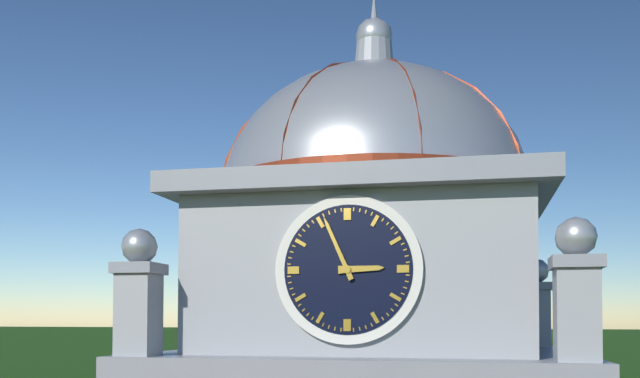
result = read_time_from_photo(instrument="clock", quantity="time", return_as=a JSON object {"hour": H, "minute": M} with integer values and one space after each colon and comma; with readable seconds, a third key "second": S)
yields {"hour": 2, "minute": 56}
